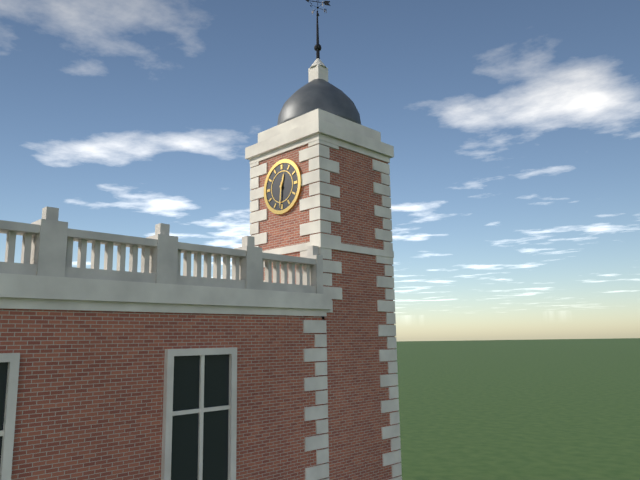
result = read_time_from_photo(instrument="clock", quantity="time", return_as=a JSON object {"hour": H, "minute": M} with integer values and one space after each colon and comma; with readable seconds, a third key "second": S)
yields {"hour": 12, "minute": 31}
